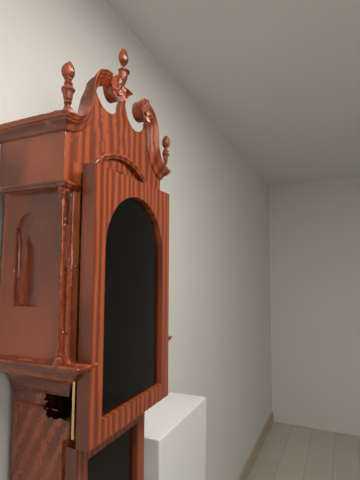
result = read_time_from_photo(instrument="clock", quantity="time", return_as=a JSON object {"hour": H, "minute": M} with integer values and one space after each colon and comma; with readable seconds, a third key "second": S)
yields {"hour": 4, "minute": 56}
